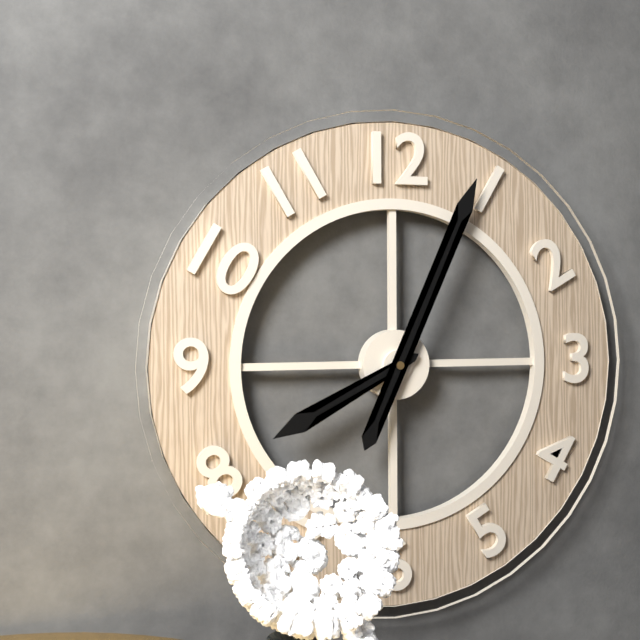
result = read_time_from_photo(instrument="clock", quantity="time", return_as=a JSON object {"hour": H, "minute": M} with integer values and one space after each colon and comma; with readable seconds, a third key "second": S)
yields {"hour": 8, "minute": 4}
